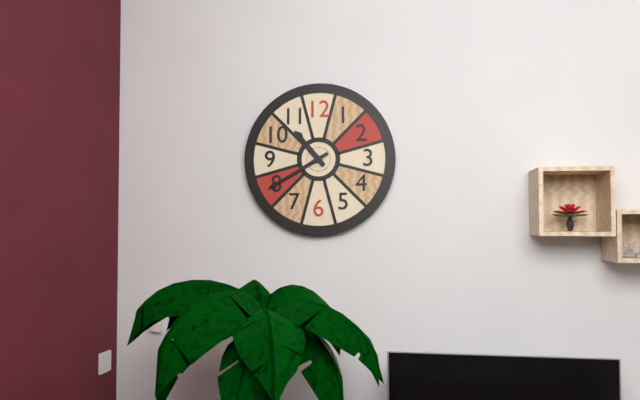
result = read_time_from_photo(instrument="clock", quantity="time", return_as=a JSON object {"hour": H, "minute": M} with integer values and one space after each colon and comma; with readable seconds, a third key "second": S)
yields {"hour": 10, "minute": 40}
